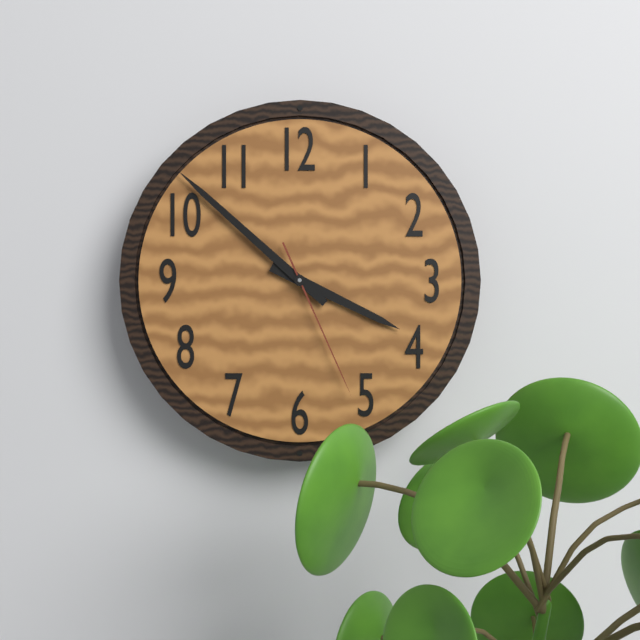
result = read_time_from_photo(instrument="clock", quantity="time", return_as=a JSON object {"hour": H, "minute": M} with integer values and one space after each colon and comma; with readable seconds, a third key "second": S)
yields {"hour": 3, "minute": 52, "second": 26}
